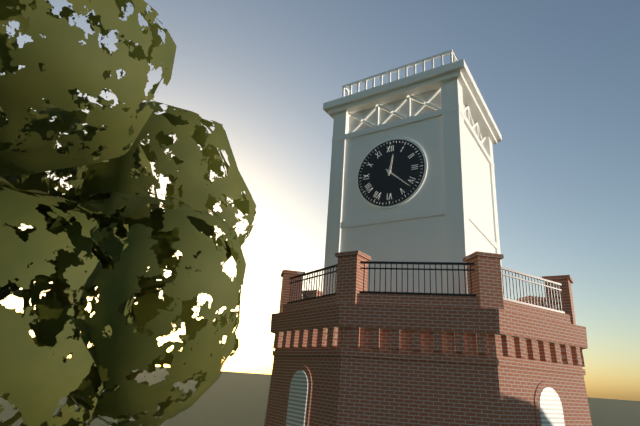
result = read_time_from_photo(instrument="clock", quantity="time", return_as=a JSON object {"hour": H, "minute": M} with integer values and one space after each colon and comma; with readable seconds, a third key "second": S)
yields {"hour": 12, "minute": 22}
